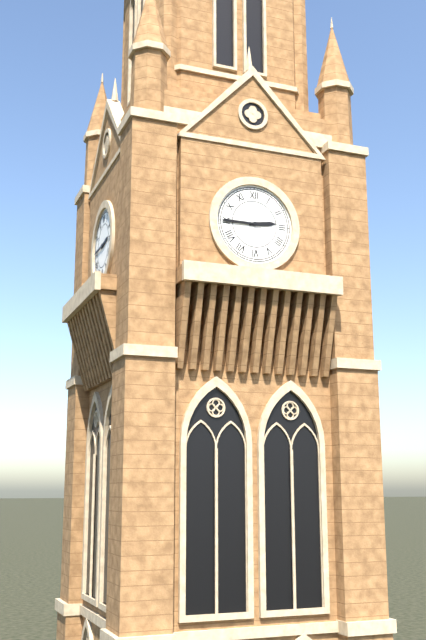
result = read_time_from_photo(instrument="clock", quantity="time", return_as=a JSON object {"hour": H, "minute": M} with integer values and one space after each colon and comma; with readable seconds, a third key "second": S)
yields {"hour": 2, "minute": 45}
